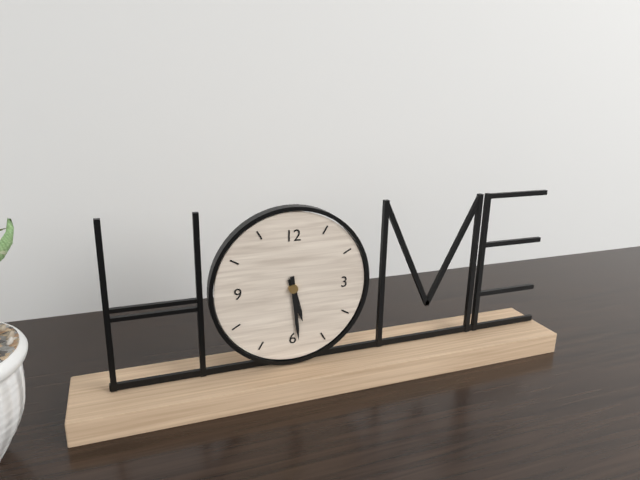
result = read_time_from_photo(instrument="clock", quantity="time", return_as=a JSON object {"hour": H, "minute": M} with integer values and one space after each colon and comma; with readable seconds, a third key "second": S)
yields {"hour": 5, "minute": 29}
